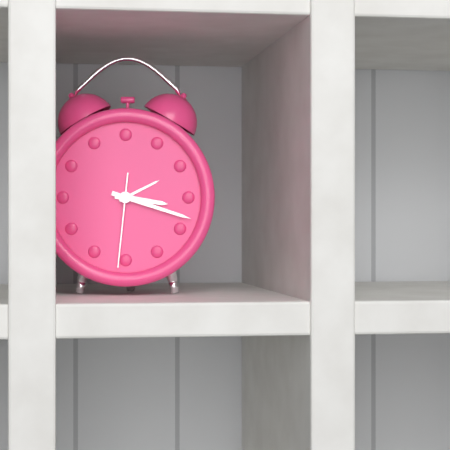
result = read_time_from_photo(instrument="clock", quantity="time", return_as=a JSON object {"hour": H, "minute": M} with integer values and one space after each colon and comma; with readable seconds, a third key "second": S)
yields {"hour": 3, "minute": 18, "second": 31}
